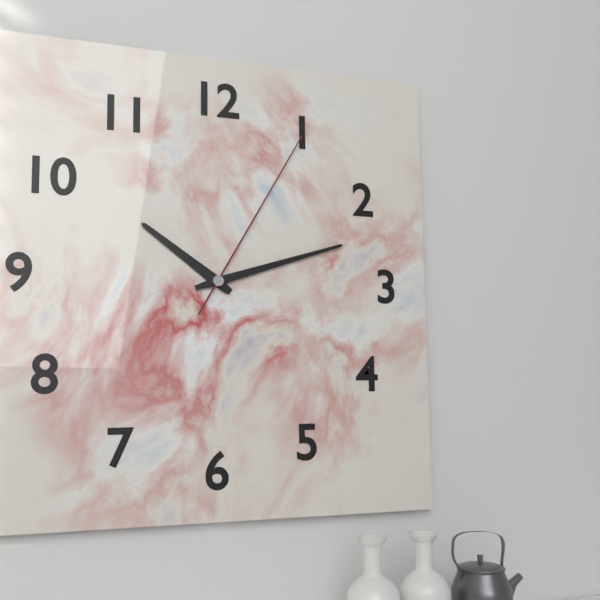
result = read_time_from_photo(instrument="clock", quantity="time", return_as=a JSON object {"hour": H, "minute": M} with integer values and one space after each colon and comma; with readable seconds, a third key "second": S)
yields {"hour": 10, "minute": 12, "second": 5}
